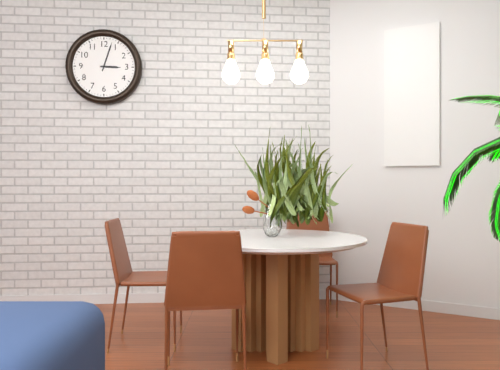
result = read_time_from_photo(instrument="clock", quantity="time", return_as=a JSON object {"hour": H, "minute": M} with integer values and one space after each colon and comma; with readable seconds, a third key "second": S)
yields {"hour": 3, "minute": 3}
